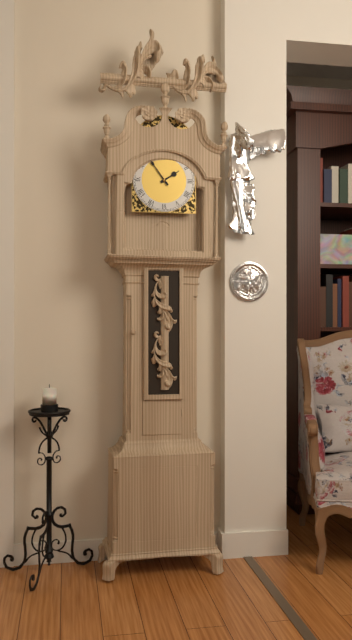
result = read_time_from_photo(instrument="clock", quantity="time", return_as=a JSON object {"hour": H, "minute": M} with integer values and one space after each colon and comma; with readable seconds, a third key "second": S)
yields {"hour": 1, "minute": 54}
